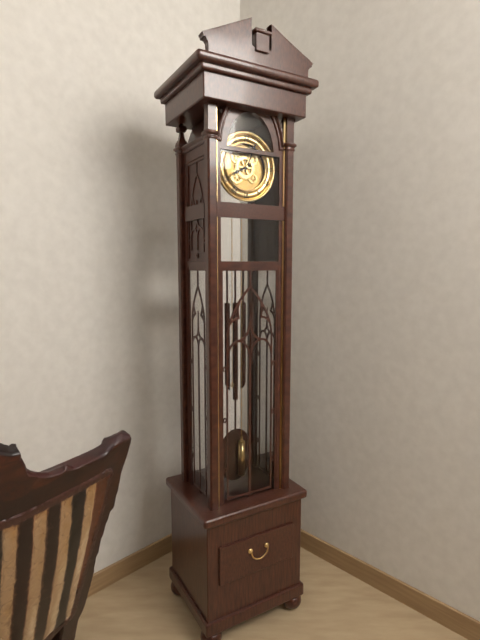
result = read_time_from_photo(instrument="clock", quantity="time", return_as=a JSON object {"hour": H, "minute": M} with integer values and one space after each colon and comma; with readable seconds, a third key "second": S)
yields {"hour": 8, "minute": 4}
